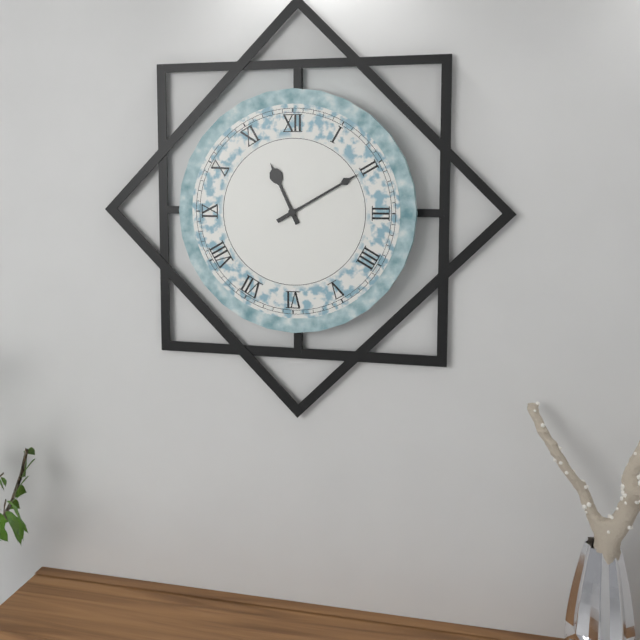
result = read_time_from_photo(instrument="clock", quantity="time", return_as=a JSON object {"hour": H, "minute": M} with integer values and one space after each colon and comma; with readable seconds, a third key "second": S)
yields {"hour": 11, "minute": 10}
